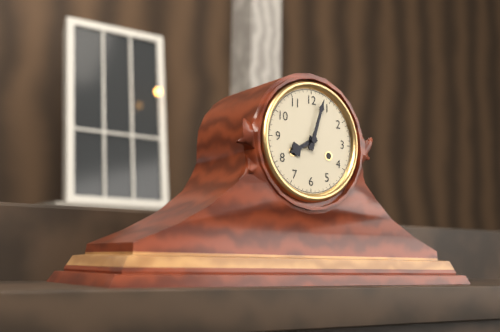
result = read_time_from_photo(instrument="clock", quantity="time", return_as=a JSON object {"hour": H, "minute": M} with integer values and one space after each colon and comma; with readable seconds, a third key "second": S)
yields {"hour": 8, "minute": 3}
